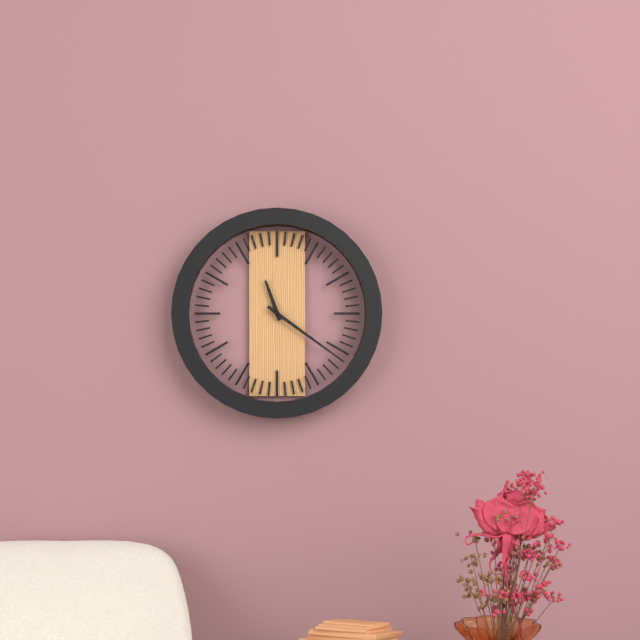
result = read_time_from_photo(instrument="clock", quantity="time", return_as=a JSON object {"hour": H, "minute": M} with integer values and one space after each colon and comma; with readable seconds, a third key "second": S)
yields {"hour": 11, "minute": 21}
